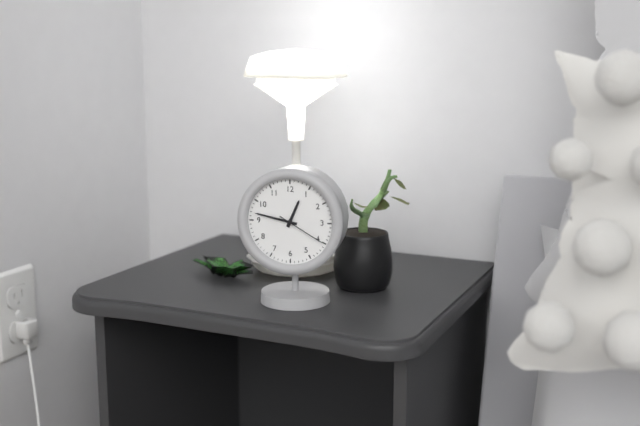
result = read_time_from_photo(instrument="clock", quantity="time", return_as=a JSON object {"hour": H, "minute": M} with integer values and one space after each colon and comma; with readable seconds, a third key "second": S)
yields {"hour": 12, "minute": 47, "second": 20}
